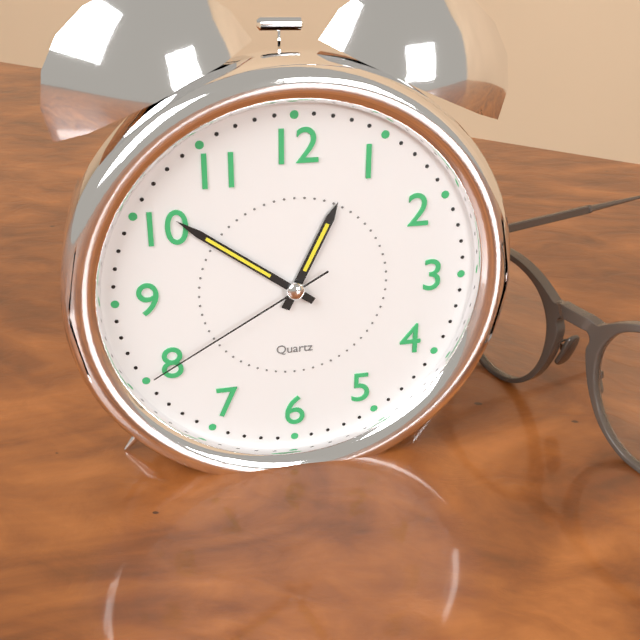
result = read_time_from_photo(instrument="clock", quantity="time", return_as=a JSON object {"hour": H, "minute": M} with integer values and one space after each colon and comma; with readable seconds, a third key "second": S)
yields {"hour": 12, "minute": 51, "second": 40}
